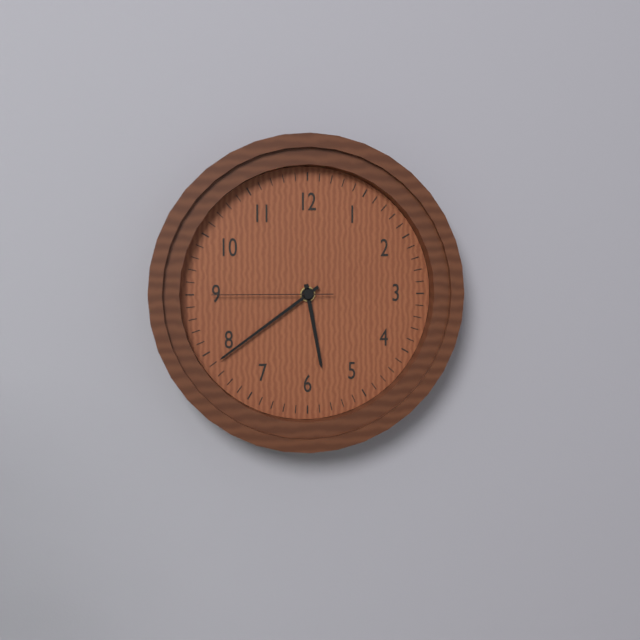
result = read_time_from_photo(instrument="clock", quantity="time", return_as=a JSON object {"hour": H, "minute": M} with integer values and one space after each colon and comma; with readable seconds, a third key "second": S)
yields {"hour": 5, "minute": 39, "second": 45}
